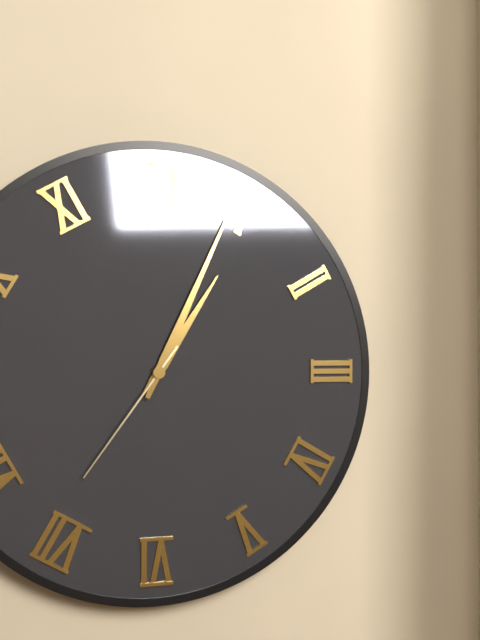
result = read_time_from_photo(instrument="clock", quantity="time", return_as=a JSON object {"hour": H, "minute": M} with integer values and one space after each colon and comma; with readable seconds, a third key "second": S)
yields {"hour": 1, "minute": 4, "second": 36}
